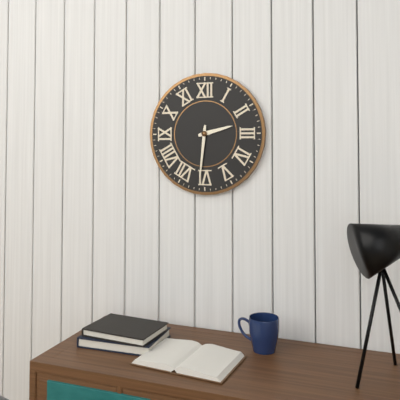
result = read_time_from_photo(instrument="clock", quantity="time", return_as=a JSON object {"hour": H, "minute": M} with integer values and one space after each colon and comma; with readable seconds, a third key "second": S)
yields {"hour": 2, "minute": 31}
